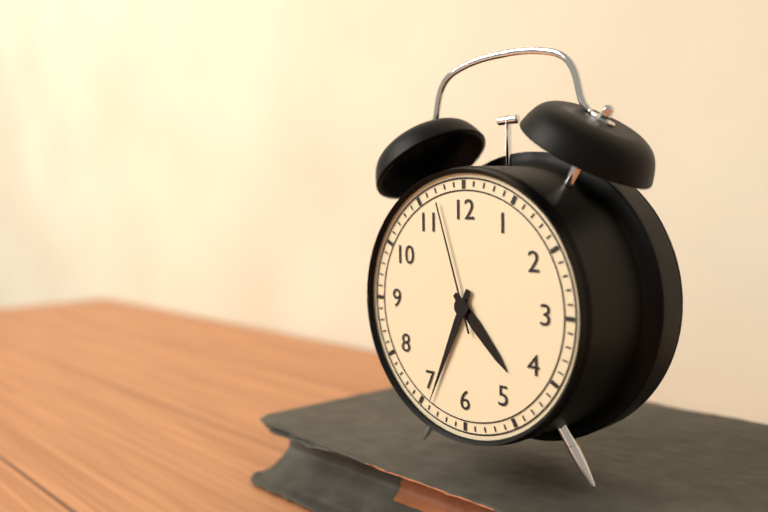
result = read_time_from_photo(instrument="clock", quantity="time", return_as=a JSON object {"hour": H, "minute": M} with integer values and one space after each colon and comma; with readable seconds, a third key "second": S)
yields {"hour": 4, "minute": 34, "second": 57}
